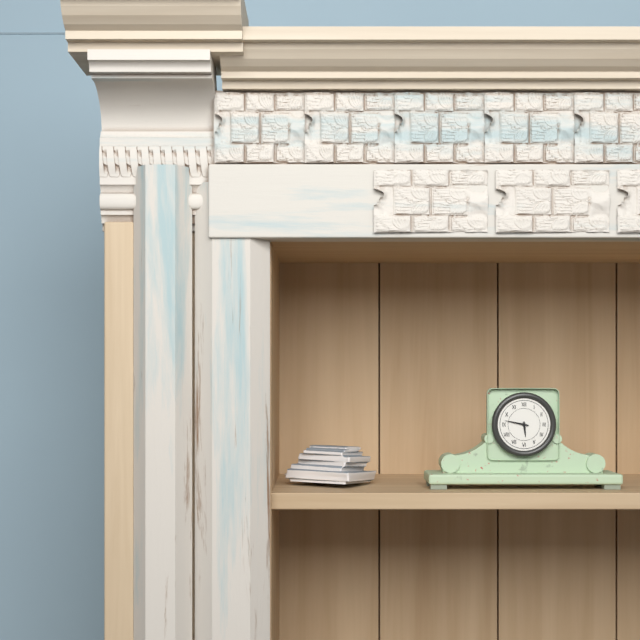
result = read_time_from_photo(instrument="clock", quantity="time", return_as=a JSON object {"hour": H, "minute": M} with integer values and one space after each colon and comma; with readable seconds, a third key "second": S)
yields {"hour": 5, "minute": 47}
